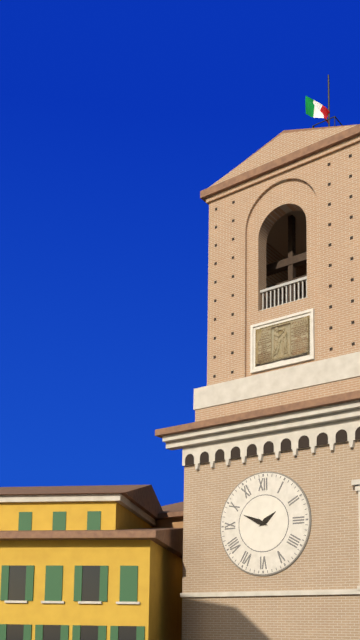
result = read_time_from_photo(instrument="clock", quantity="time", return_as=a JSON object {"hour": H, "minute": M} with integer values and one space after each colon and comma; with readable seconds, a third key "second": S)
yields {"hour": 1, "minute": 49}
